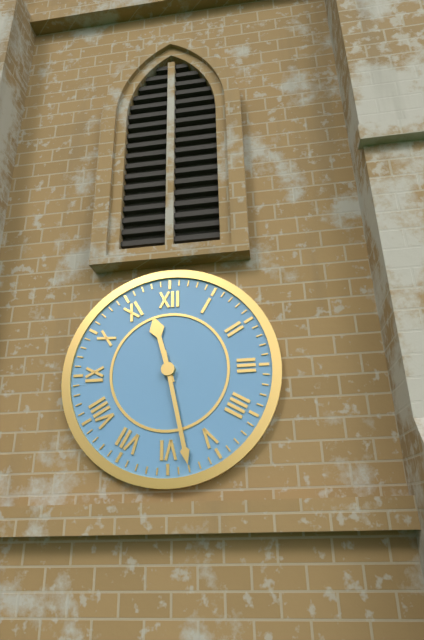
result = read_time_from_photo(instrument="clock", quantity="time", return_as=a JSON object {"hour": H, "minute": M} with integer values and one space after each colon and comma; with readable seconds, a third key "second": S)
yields {"hour": 11, "minute": 28}
